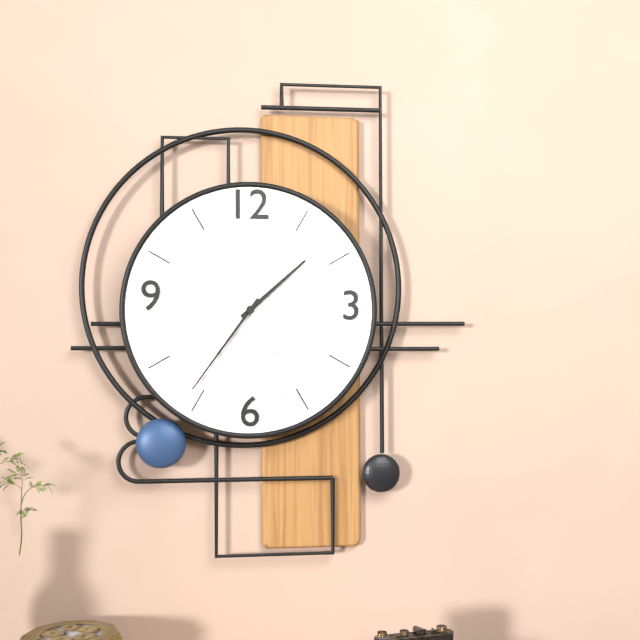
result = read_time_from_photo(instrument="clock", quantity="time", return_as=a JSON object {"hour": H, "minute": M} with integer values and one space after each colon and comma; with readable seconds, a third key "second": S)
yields {"hour": 1, "minute": 36, "second": 26}
